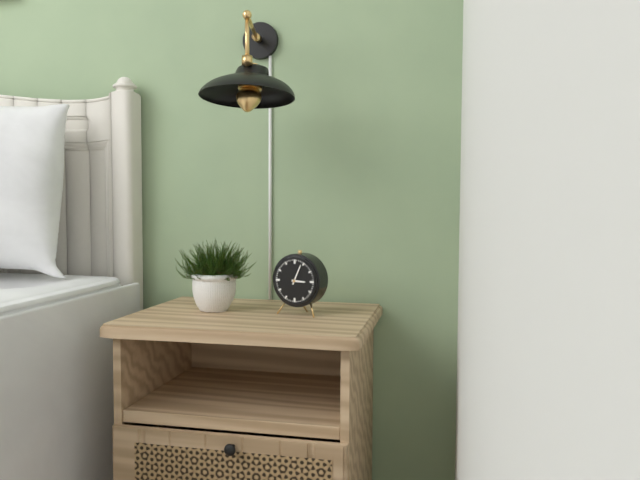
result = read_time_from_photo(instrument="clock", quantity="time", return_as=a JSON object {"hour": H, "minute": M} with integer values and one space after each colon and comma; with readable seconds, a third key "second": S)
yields {"hour": 3, "minute": 4}
